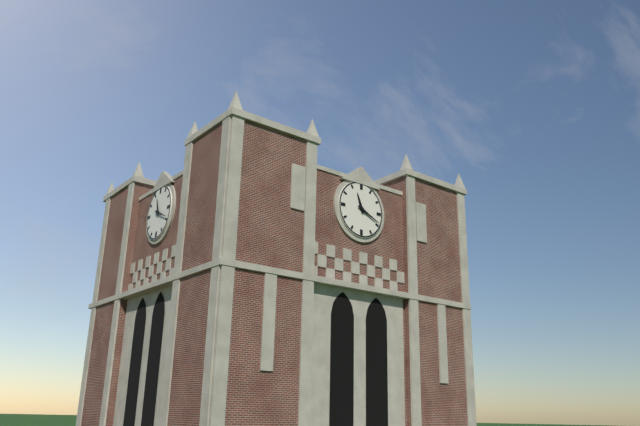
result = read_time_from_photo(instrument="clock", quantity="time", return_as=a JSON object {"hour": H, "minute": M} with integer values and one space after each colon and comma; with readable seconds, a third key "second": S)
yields {"hour": 11, "minute": 19}
